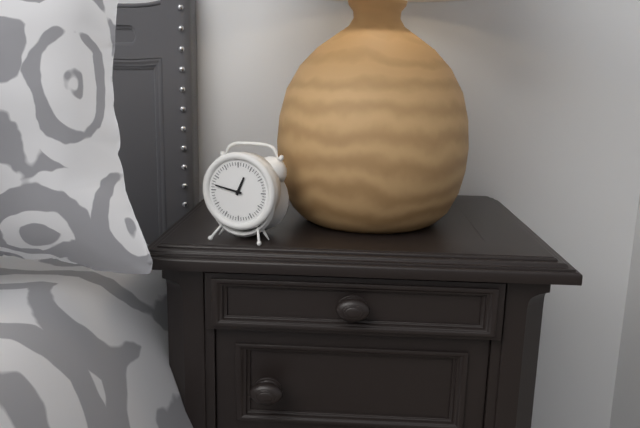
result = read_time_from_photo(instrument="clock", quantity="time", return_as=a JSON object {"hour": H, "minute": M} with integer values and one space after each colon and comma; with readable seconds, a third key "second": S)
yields {"hour": 12, "minute": 47}
